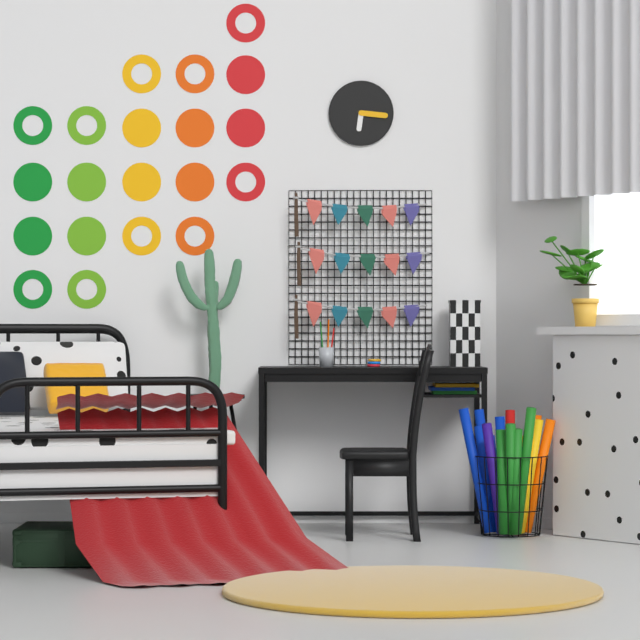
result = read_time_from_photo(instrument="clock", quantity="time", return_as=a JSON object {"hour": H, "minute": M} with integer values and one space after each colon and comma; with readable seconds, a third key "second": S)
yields {"hour": 6, "minute": 16}
